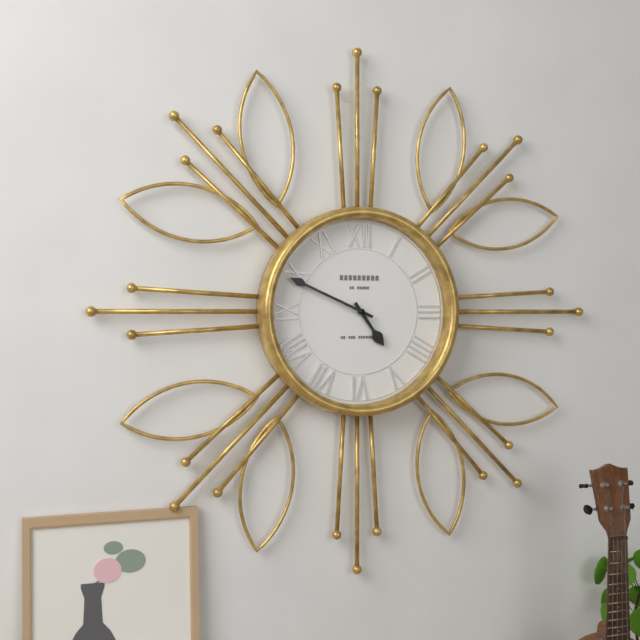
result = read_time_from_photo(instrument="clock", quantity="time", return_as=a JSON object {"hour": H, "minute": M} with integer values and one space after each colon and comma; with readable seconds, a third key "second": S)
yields {"hour": 4, "minute": 49}
